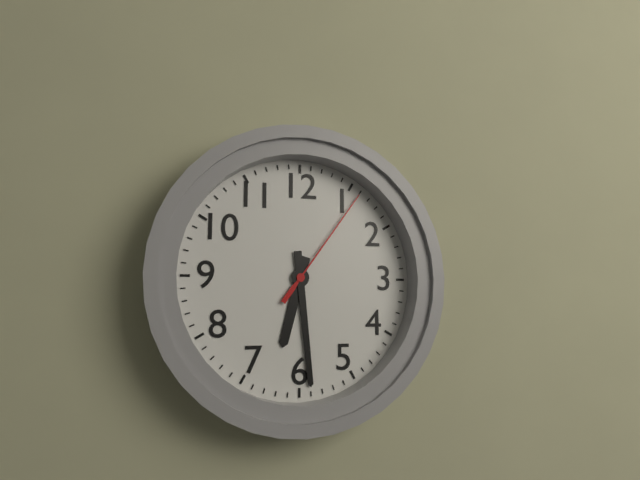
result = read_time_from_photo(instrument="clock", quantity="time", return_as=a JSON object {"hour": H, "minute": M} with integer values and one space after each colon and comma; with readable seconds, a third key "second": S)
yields {"hour": 6, "minute": 29, "second": 6}
